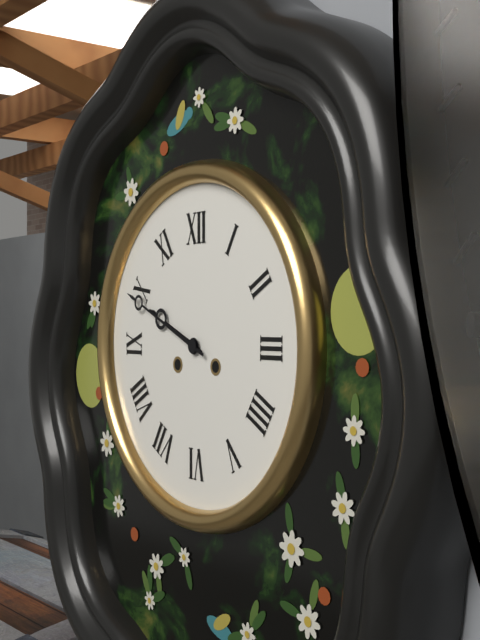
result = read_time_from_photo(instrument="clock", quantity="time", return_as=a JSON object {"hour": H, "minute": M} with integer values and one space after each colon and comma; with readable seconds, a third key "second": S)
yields {"hour": 9, "minute": 49}
